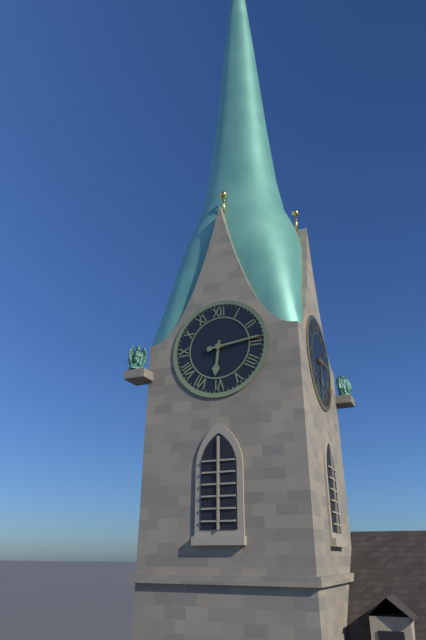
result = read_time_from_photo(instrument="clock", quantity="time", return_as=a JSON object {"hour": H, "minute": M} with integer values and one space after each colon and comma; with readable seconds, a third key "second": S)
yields {"hour": 6, "minute": 14}
